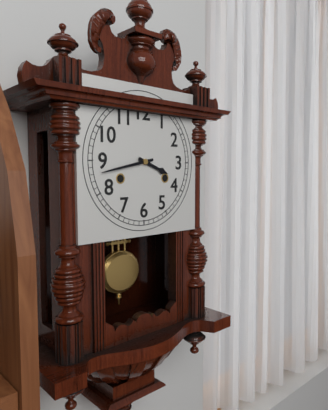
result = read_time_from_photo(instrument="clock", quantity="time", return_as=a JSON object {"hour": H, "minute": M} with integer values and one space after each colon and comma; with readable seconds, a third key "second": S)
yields {"hour": 3, "minute": 43}
